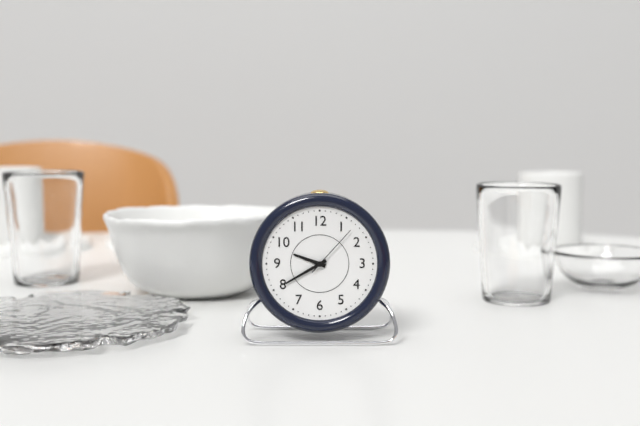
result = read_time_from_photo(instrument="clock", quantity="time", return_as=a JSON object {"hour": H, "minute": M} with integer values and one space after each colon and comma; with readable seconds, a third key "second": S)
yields {"hour": 9, "minute": 40, "second": 7}
